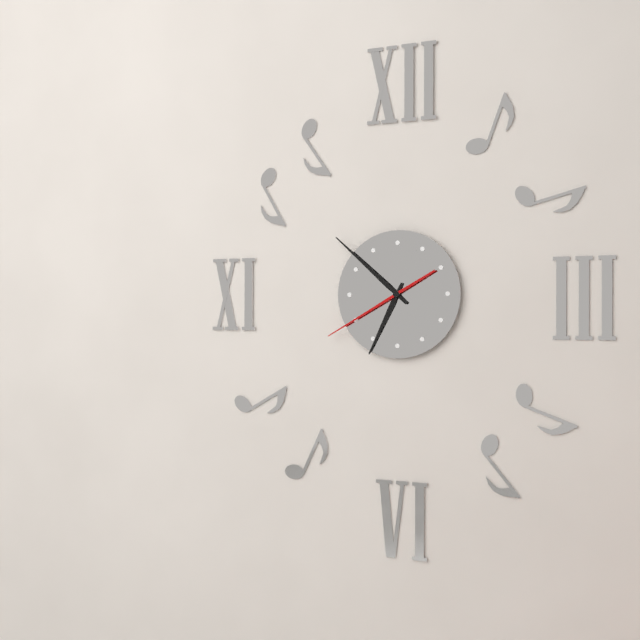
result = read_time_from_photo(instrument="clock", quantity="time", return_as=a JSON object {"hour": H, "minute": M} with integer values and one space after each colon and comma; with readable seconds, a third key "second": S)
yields {"hour": 6, "minute": 52, "second": 40}
